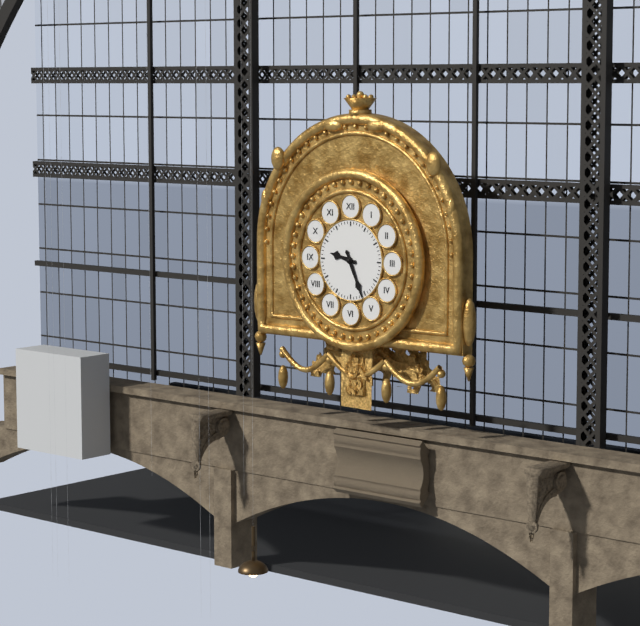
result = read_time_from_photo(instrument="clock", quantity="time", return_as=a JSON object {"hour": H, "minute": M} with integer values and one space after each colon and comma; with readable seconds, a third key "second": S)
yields {"hour": 9, "minute": 26}
